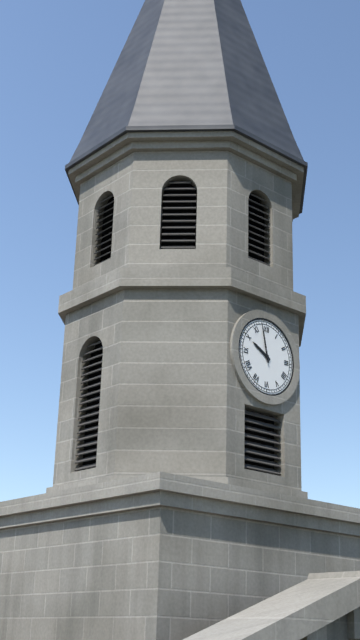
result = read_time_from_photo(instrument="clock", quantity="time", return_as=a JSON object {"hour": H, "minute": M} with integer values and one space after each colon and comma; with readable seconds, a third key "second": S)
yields {"hour": 9, "minute": 58}
